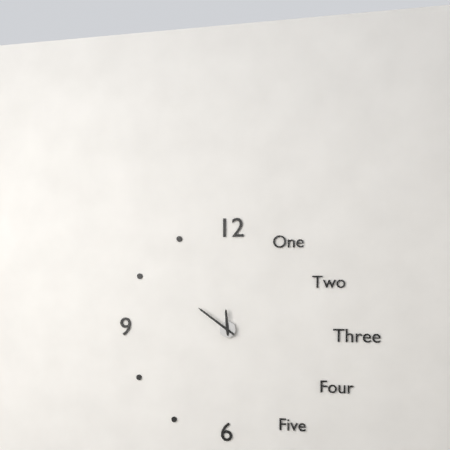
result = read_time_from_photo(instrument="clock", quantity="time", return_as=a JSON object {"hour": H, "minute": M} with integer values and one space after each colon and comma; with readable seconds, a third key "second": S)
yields {"hour": 11, "minute": 51}
